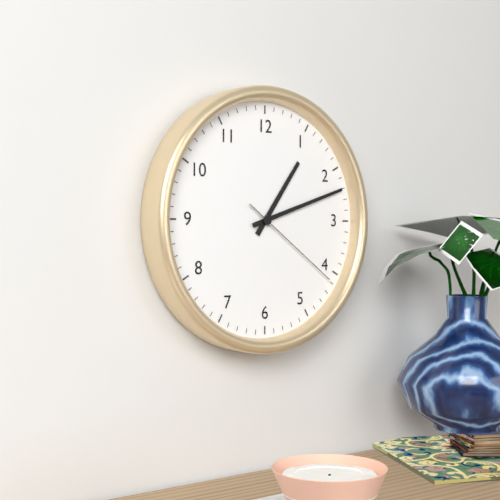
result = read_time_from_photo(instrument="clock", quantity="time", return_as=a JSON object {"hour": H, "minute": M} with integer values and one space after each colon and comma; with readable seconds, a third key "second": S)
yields {"hour": 1, "minute": 12, "second": 21}
